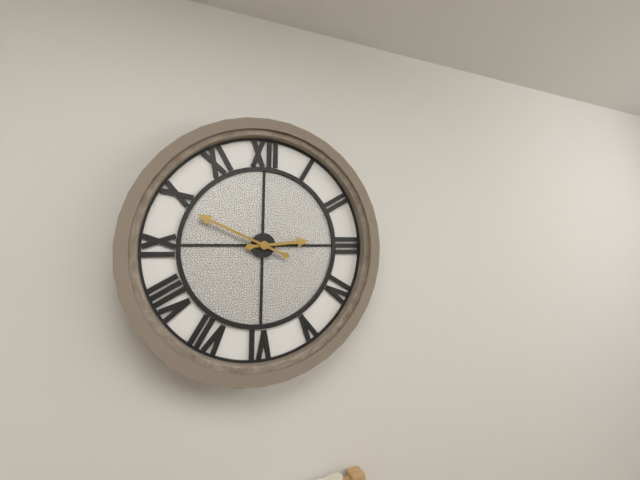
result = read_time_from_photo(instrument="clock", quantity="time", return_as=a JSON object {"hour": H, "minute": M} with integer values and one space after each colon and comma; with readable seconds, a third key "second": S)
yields {"hour": 2, "minute": 49}
